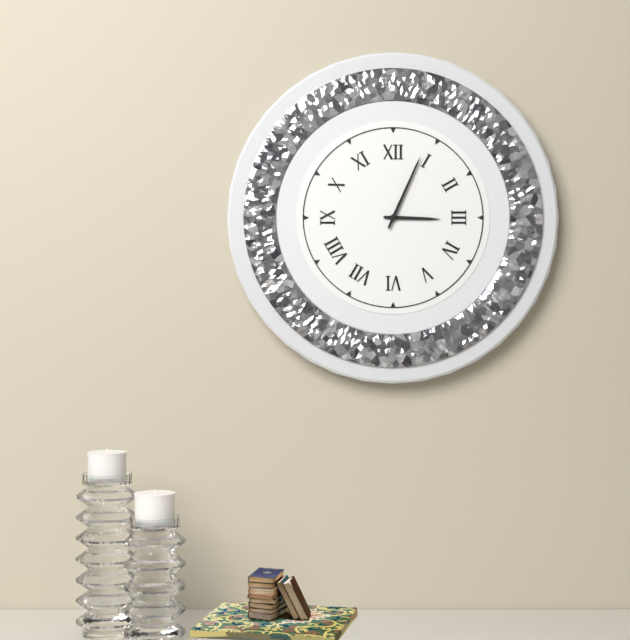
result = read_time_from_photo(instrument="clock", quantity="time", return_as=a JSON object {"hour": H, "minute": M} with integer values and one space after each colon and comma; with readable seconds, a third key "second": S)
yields {"hour": 3, "minute": 4}
